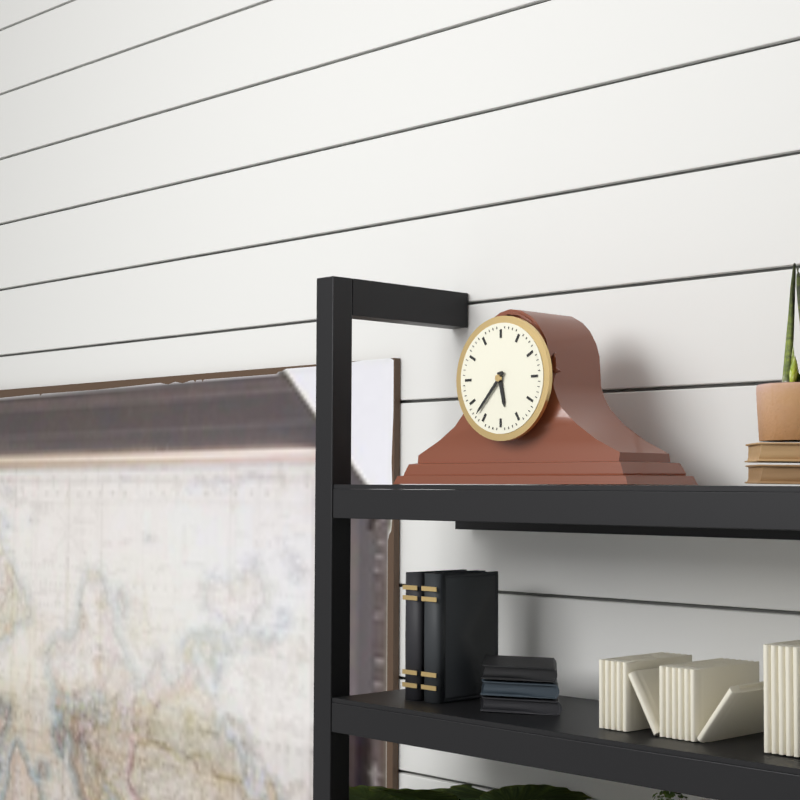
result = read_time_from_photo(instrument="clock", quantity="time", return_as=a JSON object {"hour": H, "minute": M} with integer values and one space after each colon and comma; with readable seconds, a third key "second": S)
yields {"hour": 5, "minute": 37}
